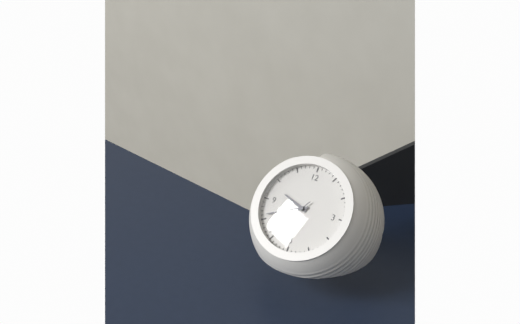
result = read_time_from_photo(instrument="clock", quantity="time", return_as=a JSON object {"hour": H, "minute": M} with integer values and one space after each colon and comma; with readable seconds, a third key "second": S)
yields {"hour": 9, "minute": 41, "second": 36}
